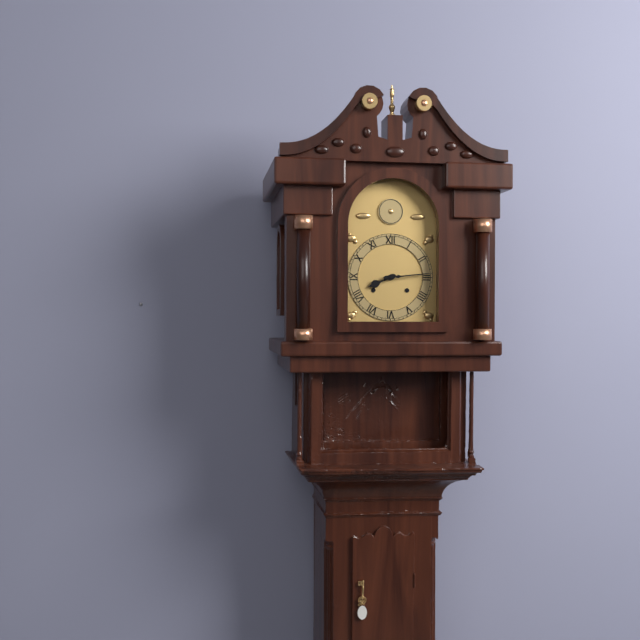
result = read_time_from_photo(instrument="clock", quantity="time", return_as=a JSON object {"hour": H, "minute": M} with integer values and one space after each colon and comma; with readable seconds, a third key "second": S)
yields {"hour": 8, "minute": 14}
